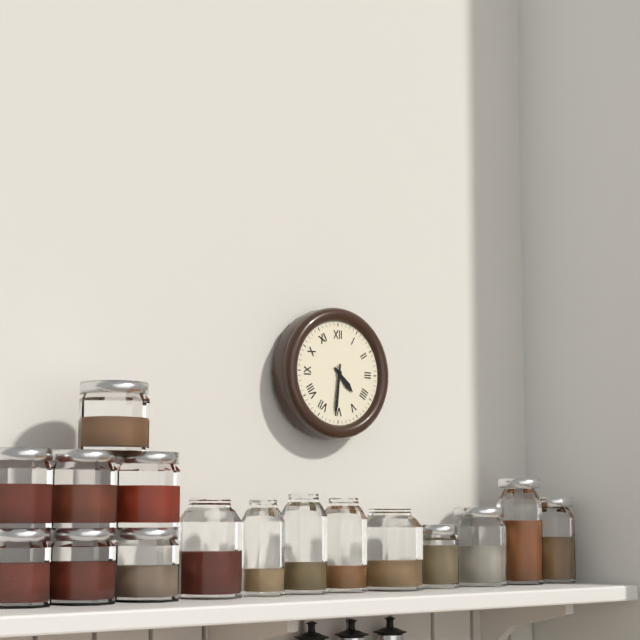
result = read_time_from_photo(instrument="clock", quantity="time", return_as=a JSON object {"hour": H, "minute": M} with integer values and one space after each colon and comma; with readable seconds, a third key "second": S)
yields {"hour": 4, "minute": 31}
